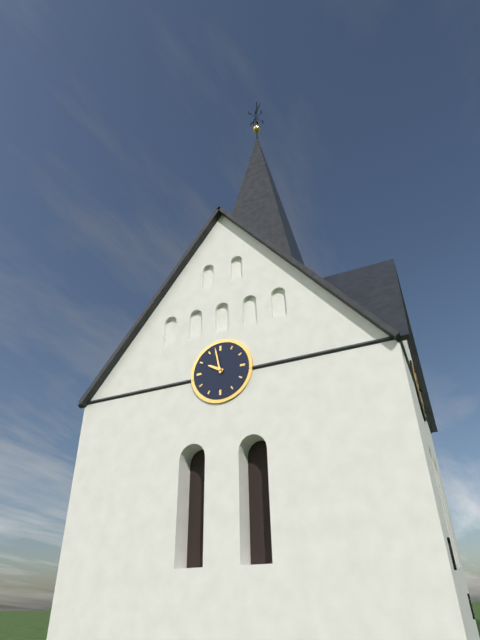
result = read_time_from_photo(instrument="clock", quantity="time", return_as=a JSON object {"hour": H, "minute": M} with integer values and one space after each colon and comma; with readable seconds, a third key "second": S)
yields {"hour": 9, "minute": 58}
